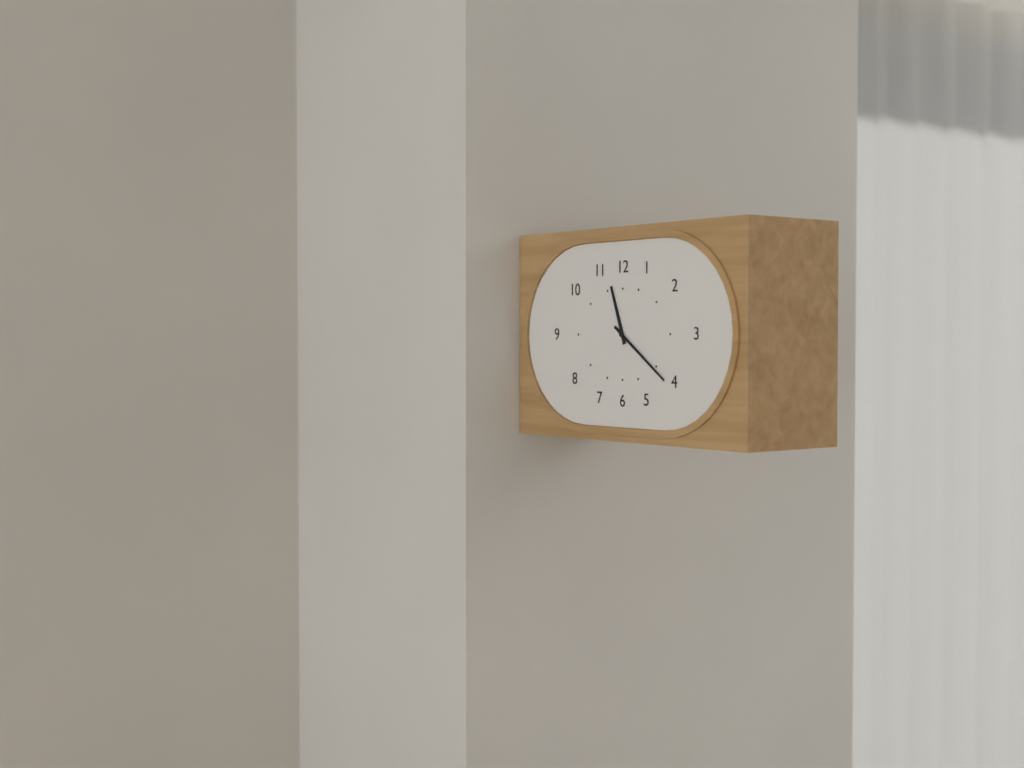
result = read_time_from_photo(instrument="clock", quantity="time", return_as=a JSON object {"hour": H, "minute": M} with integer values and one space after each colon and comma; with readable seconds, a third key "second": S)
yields {"hour": 11, "minute": 21}
